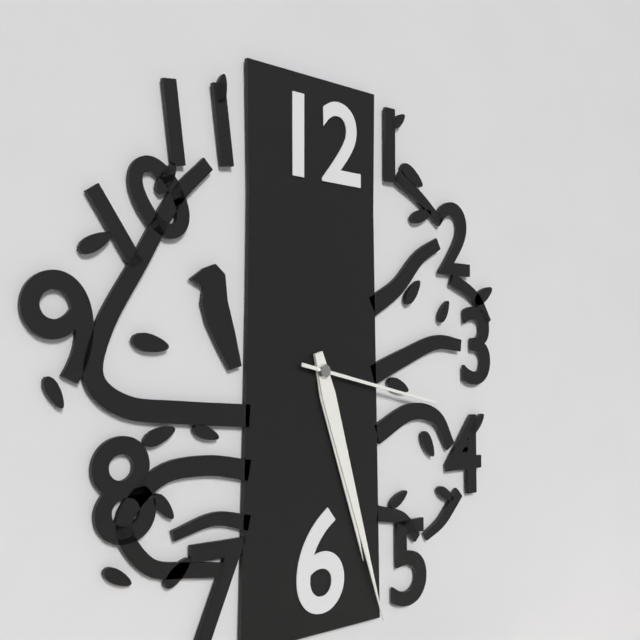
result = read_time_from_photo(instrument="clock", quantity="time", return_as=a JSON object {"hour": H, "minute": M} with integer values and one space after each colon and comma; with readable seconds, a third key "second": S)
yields {"hour": 5, "minute": 27, "second": 17}
